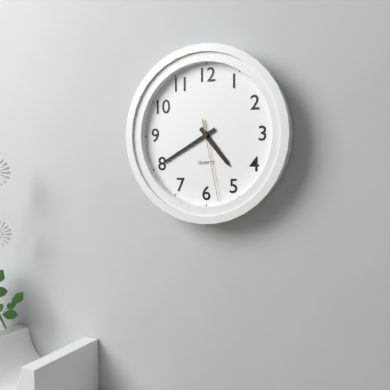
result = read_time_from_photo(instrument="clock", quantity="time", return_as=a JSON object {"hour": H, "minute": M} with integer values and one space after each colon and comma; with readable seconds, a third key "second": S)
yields {"hour": 4, "minute": 40, "second": 28}
